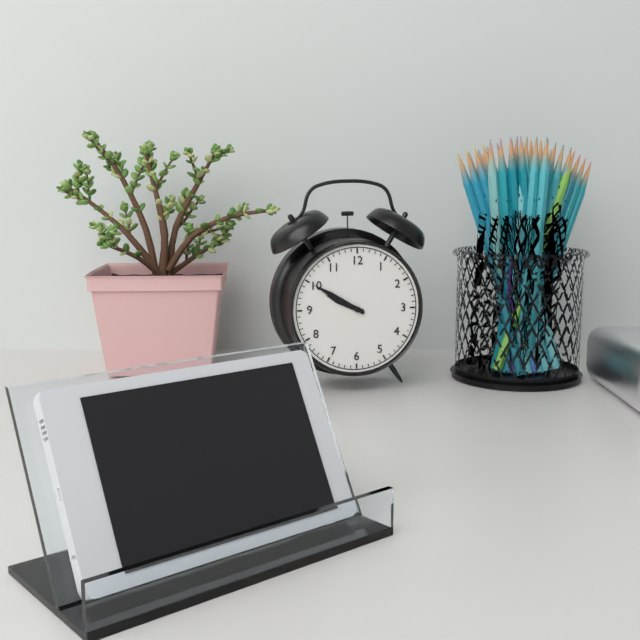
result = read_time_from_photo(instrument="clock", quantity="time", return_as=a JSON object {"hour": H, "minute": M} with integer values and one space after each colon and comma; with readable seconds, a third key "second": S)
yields {"hour": 9, "minute": 50}
